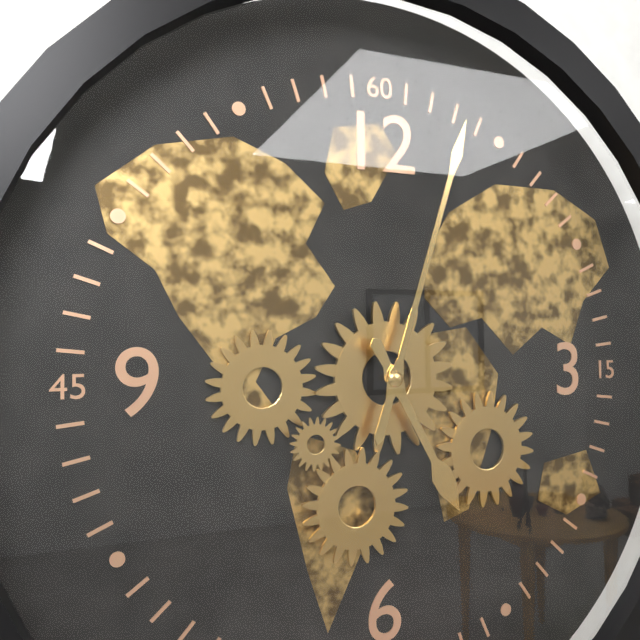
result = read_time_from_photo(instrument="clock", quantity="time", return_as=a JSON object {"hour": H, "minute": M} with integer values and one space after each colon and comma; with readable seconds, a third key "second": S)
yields {"hour": 5, "minute": 3}
